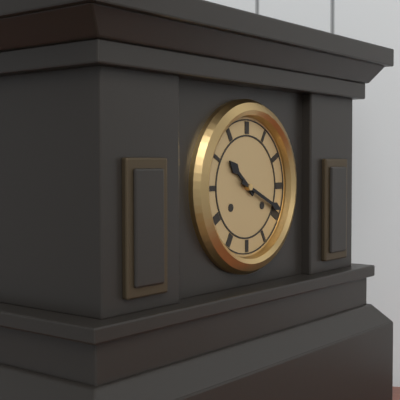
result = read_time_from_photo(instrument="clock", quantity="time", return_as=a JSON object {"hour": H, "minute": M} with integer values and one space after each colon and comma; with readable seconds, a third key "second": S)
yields {"hour": 10, "minute": 19}
